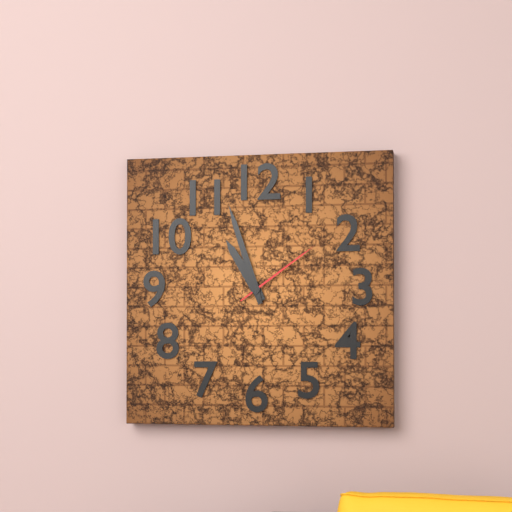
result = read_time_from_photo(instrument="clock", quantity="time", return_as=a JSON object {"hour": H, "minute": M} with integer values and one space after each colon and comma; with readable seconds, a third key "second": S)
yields {"hour": 10, "minute": 57, "second": 9}
